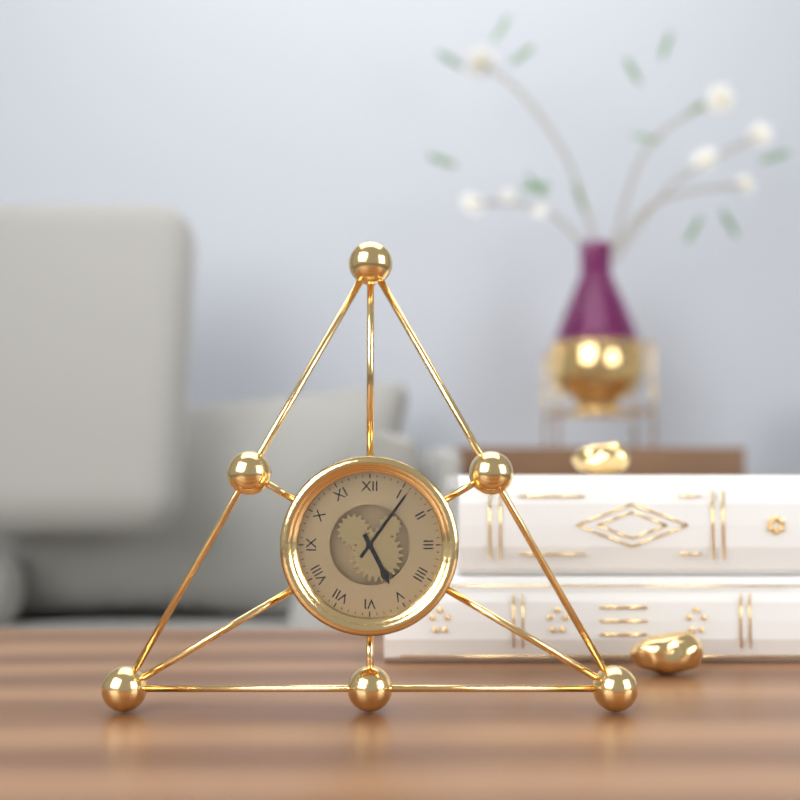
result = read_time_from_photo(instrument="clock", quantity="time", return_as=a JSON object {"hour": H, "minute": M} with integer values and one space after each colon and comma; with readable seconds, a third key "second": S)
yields {"hour": 5, "minute": 6}
